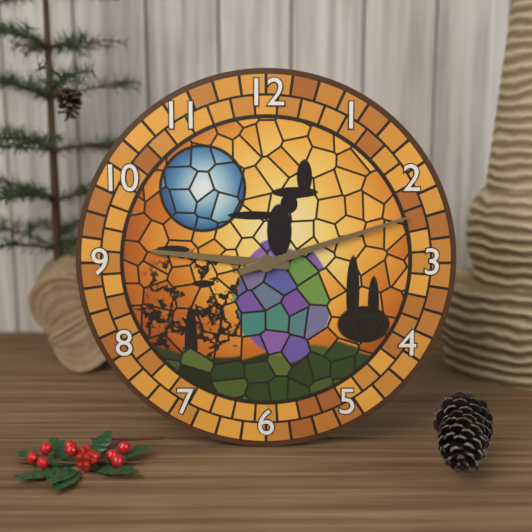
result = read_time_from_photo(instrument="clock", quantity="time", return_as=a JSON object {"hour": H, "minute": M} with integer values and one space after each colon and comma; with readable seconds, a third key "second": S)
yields {"hour": 9, "minute": 12}
